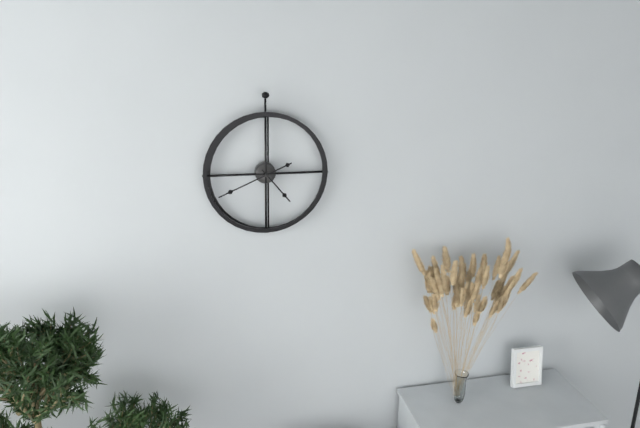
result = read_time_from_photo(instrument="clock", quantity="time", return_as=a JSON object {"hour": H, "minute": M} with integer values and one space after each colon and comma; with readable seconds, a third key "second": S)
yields {"hour": 4, "minute": 41}
